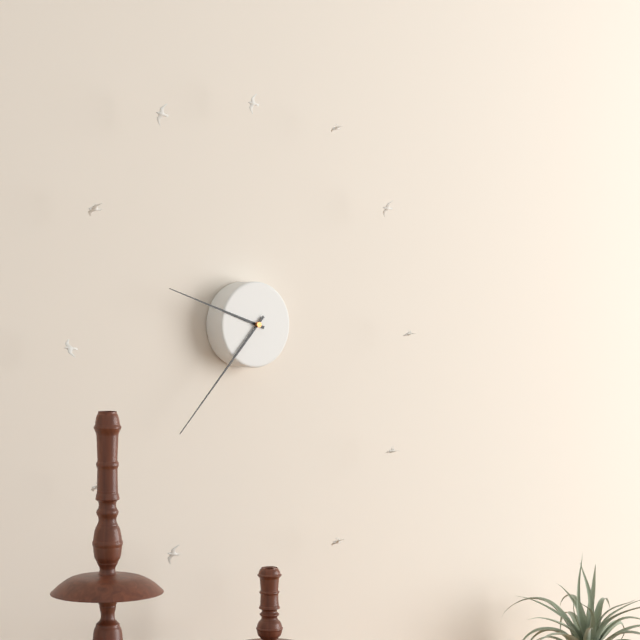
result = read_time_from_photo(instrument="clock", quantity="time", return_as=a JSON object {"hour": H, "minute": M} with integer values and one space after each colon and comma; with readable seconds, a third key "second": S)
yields {"hour": 9, "minute": 37}
